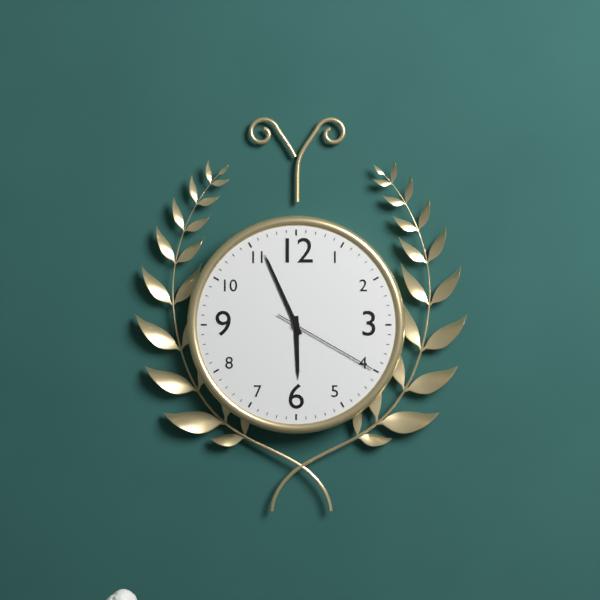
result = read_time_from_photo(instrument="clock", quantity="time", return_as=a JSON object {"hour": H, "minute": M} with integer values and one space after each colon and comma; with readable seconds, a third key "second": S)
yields {"hour": 5, "minute": 56, "second": 20}
